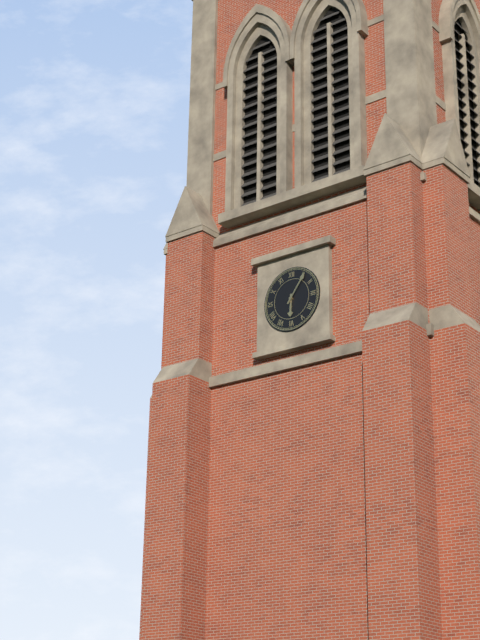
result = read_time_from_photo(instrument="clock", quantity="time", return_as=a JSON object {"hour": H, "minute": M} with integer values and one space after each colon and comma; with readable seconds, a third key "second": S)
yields {"hour": 6, "minute": 6}
